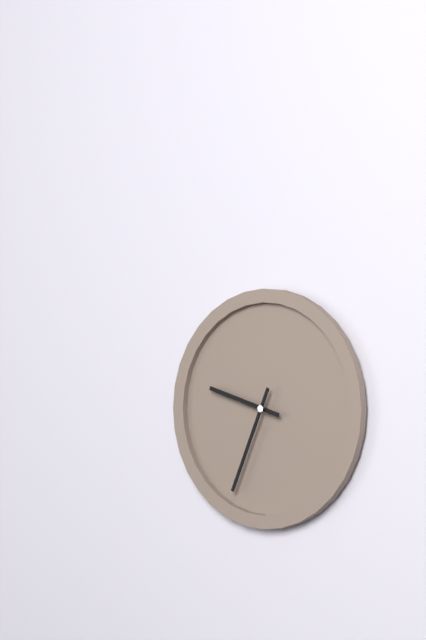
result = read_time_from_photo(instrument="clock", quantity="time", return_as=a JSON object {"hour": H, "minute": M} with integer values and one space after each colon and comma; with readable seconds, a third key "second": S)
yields {"hour": 9, "minute": 34}
